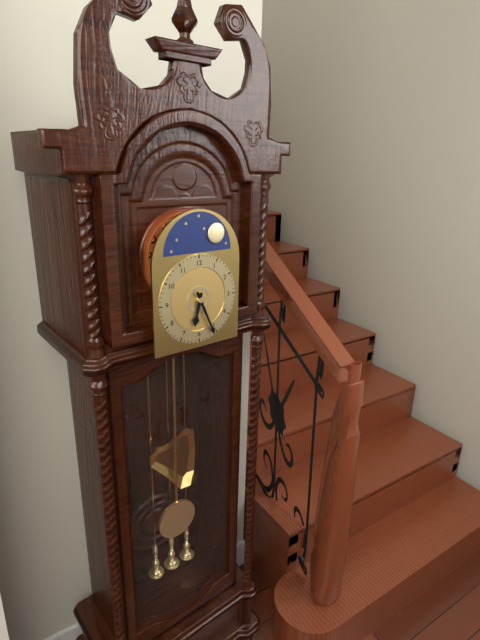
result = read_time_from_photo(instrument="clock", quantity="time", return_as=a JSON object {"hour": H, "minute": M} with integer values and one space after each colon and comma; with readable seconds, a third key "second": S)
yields {"hour": 6, "minute": 26}
